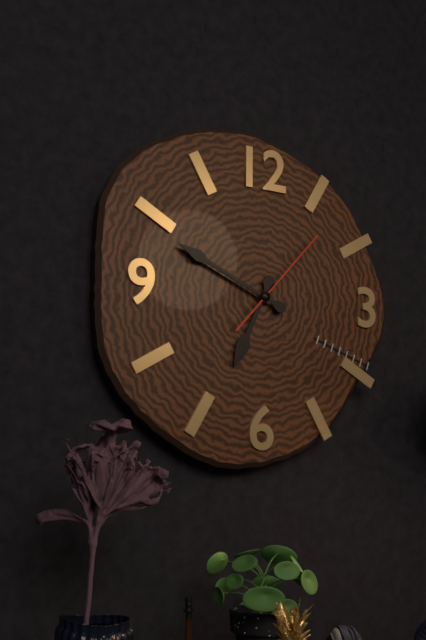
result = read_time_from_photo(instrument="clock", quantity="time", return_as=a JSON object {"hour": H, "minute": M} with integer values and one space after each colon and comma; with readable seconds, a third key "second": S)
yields {"hour": 6, "minute": 49, "second": 7}
